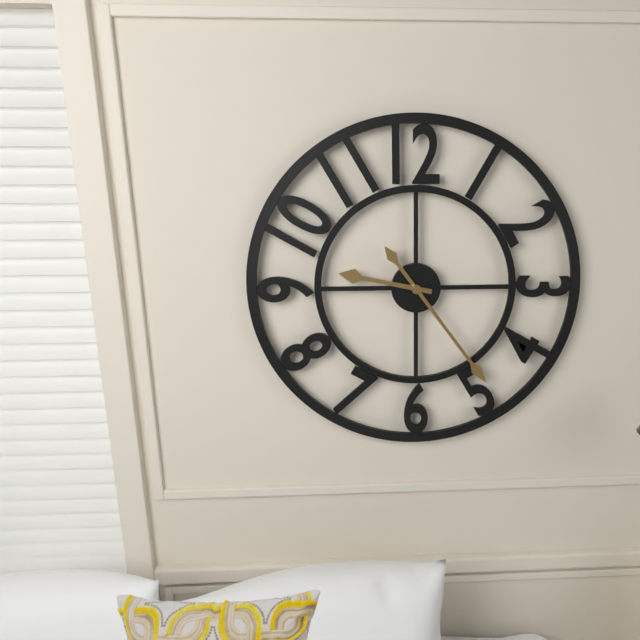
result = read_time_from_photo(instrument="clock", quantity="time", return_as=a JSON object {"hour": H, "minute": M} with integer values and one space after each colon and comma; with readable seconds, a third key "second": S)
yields {"hour": 9, "minute": 24}
